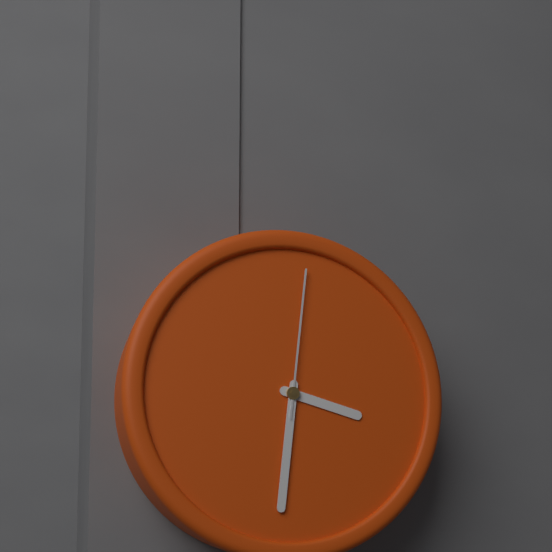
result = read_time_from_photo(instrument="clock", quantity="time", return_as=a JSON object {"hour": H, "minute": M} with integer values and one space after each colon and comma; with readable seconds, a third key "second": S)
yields {"hour": 3, "minute": 31, "second": 1}
